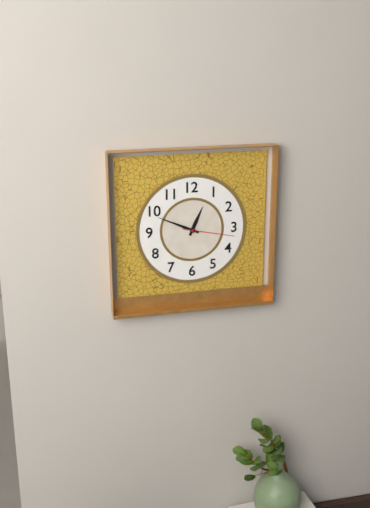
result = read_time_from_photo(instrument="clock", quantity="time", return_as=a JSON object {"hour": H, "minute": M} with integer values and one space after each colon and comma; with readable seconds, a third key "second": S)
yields {"hour": 12, "minute": 49, "second": 17}
